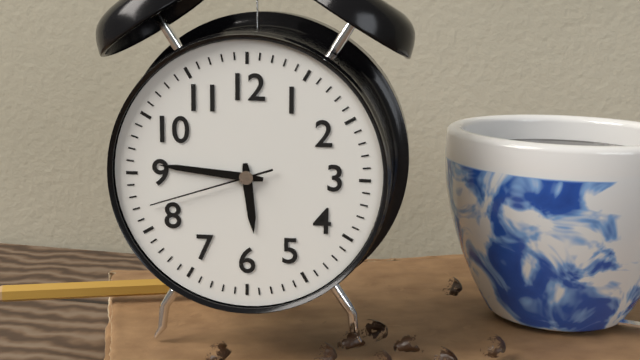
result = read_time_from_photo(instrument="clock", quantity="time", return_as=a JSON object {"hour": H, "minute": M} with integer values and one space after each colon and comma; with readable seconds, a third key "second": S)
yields {"hour": 5, "minute": 46, "second": 42}
